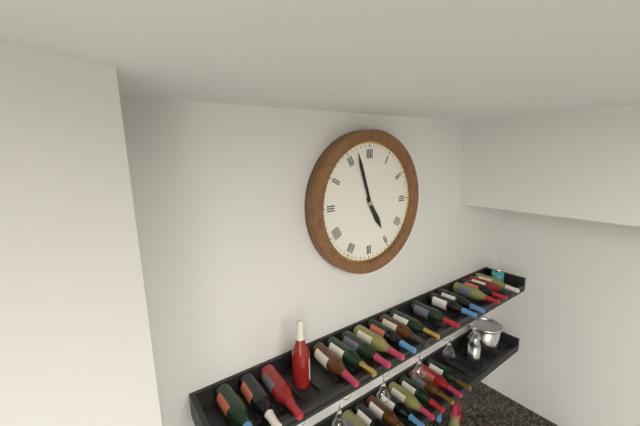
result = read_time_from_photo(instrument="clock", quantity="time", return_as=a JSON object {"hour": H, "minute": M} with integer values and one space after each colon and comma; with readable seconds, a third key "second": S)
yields {"hour": 4, "minute": 57}
